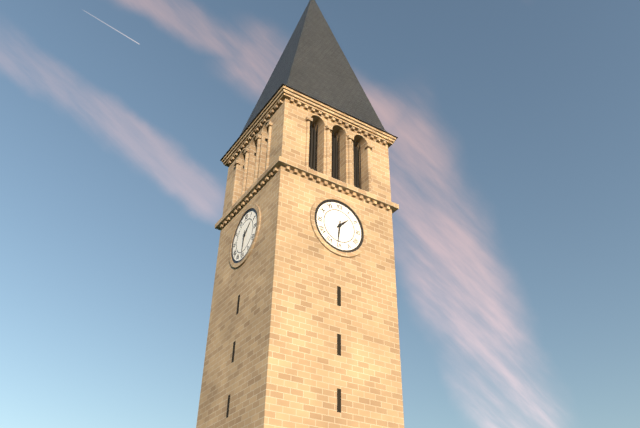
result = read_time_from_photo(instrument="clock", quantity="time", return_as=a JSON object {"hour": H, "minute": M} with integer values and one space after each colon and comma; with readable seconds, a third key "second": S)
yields {"hour": 1, "minute": 31}
